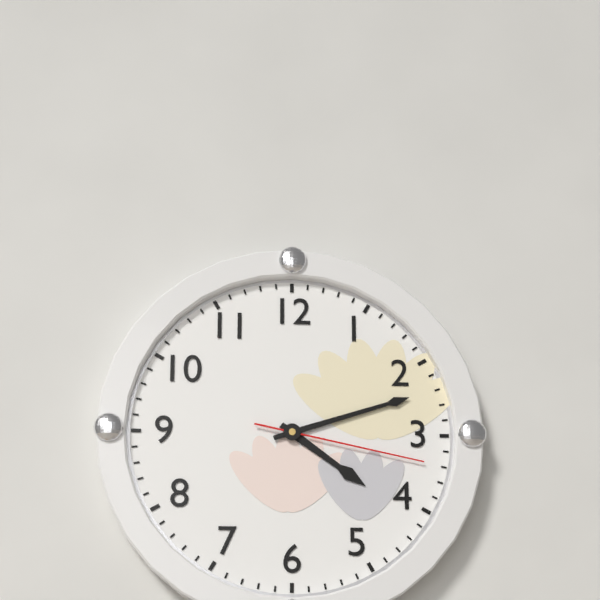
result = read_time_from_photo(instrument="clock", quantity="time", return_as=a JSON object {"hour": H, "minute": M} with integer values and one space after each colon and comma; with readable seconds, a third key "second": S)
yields {"hour": 4, "minute": 12, "second": 17}
